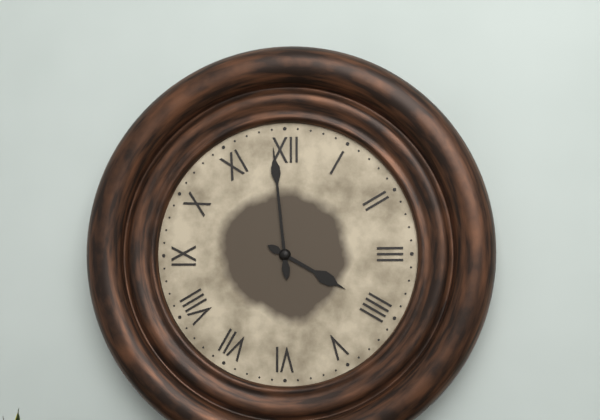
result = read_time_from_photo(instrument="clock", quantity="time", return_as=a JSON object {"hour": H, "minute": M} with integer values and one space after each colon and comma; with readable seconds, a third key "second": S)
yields {"hour": 3, "minute": 59}
